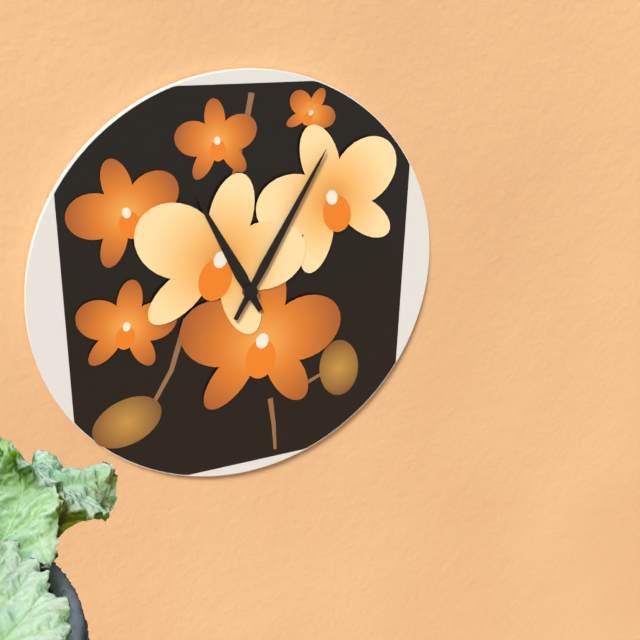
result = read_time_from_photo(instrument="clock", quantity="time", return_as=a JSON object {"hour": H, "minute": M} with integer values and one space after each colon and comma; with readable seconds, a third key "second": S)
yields {"hour": 11, "minute": 5}
